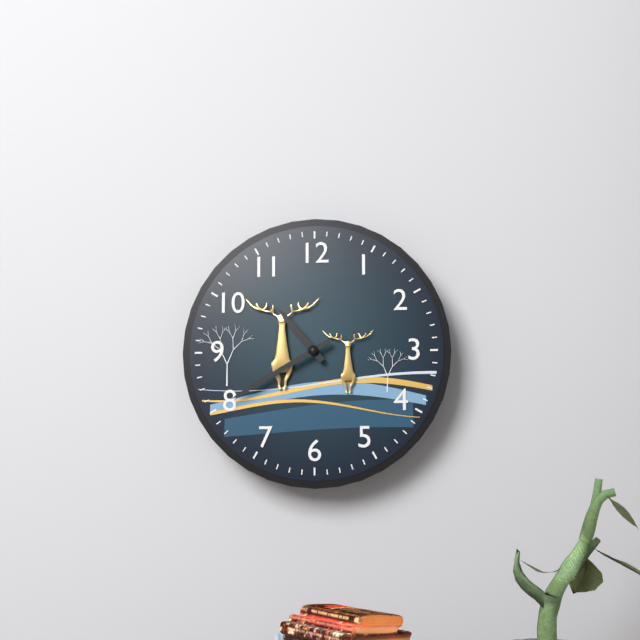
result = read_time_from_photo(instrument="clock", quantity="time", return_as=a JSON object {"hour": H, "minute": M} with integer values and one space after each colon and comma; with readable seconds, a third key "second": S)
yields {"hour": 10, "minute": 40}
